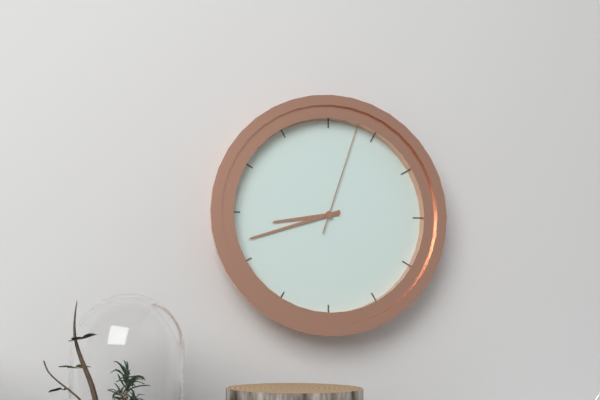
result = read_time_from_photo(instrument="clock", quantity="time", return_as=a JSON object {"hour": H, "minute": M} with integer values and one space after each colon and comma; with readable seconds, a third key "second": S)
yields {"hour": 8, "minute": 42, "second": 3}
